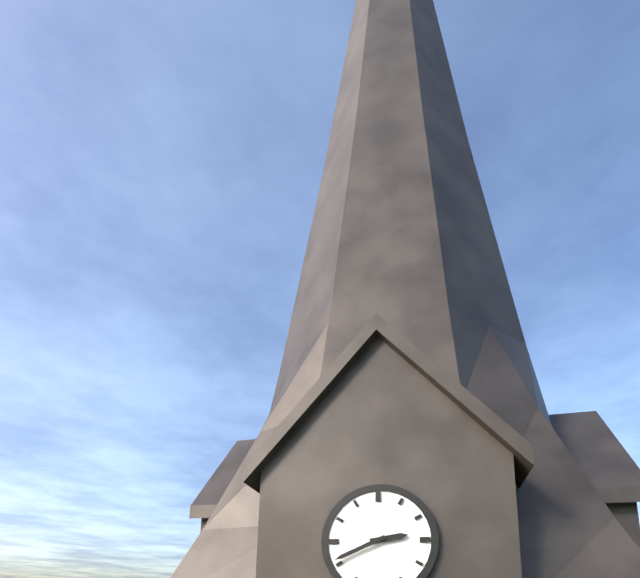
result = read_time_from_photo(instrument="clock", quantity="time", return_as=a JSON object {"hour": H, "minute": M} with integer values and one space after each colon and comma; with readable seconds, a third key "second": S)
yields {"hour": 2, "minute": 41}
